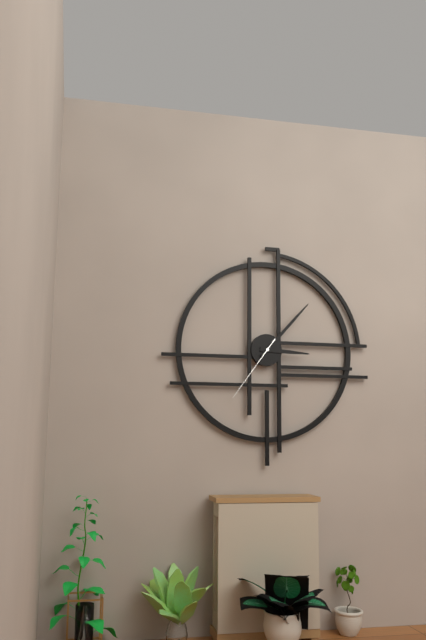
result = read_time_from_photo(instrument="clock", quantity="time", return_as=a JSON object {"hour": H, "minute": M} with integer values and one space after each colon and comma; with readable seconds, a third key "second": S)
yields {"hour": 3, "minute": 7, "second": 36}
